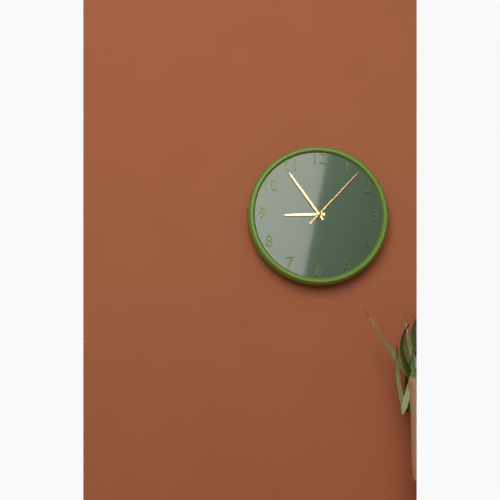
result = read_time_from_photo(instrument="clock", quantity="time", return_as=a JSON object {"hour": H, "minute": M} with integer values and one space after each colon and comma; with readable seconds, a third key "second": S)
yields {"hour": 8, "minute": 54, "second": 7}
